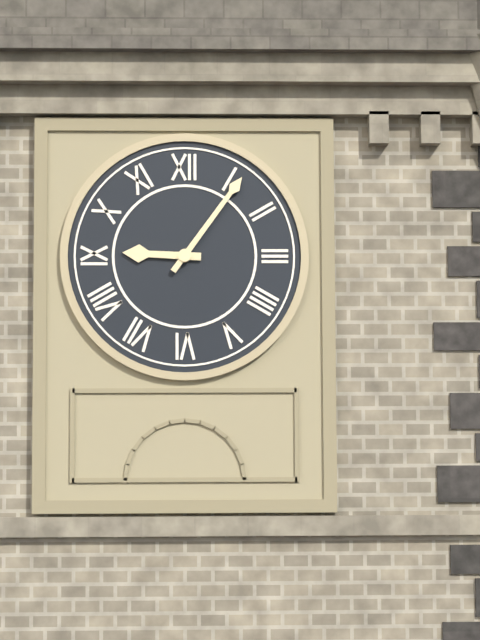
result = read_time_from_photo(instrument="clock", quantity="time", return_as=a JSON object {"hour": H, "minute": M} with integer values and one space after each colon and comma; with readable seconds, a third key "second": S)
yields {"hour": 9, "minute": 6}
